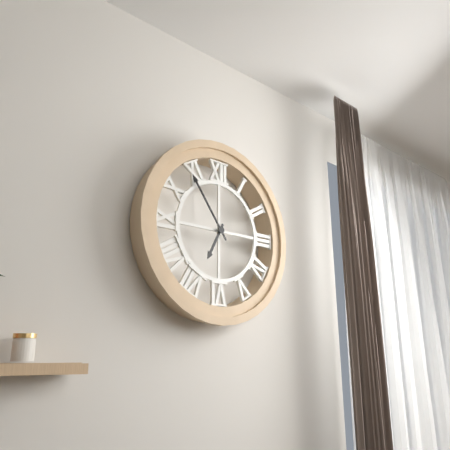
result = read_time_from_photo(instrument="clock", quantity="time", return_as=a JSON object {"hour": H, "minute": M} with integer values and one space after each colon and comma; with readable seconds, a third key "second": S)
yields {"hour": 6, "minute": 54}
